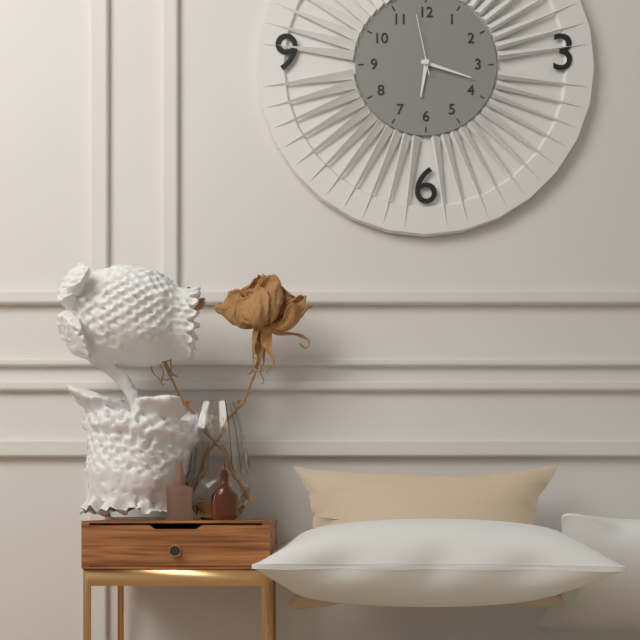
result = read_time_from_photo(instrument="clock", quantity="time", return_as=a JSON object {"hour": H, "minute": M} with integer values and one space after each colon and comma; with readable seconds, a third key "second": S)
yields {"hour": 6, "minute": 18, "second": 58}
